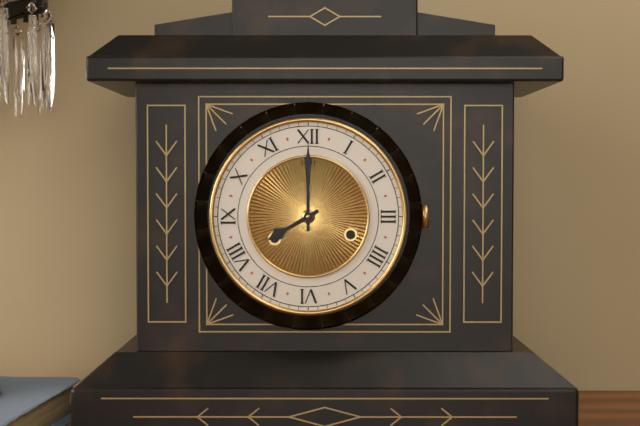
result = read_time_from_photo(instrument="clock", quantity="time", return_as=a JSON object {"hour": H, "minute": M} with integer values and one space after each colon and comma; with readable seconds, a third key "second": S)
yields {"hour": 8, "minute": 0}
